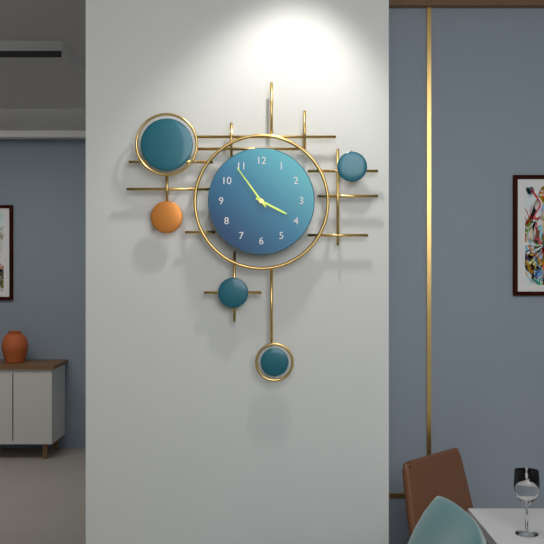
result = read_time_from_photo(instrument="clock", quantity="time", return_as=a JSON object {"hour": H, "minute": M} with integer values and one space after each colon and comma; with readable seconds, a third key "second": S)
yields {"hour": 3, "minute": 54}
